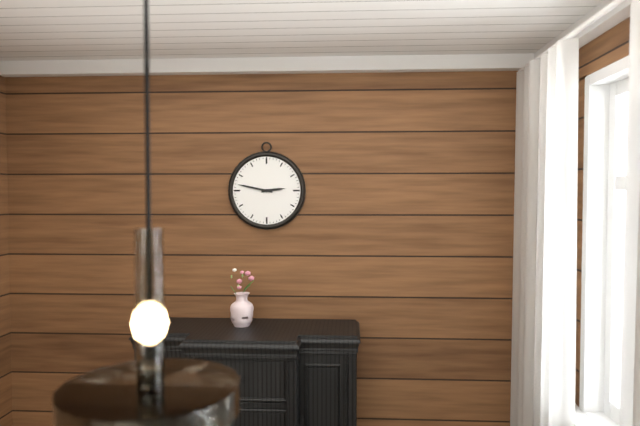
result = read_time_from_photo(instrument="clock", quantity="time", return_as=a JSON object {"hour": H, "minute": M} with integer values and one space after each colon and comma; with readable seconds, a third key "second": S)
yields {"hour": 2, "minute": 47}
